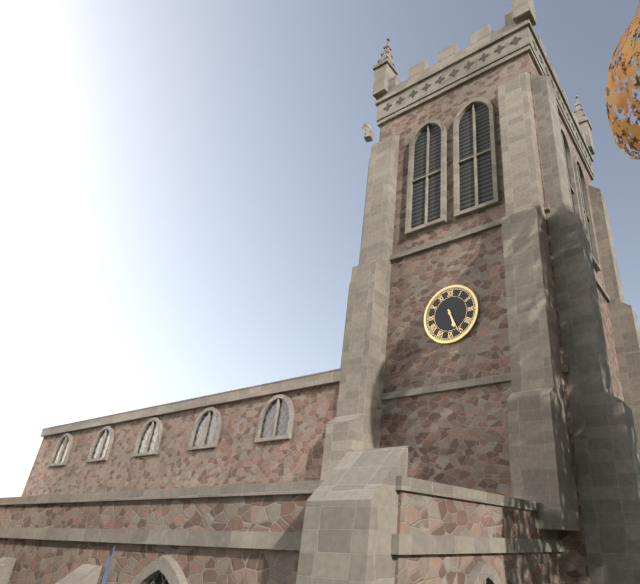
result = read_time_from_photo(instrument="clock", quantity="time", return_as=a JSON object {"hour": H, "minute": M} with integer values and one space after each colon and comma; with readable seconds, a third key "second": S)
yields {"hour": 5, "minute": 26}
